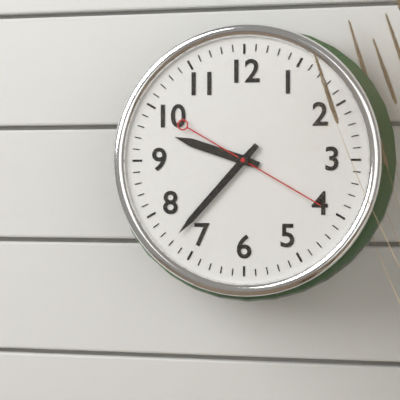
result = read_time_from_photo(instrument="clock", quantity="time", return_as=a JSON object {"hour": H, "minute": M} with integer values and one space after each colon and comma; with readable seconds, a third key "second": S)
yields {"hour": 9, "minute": 37, "second": 20}
